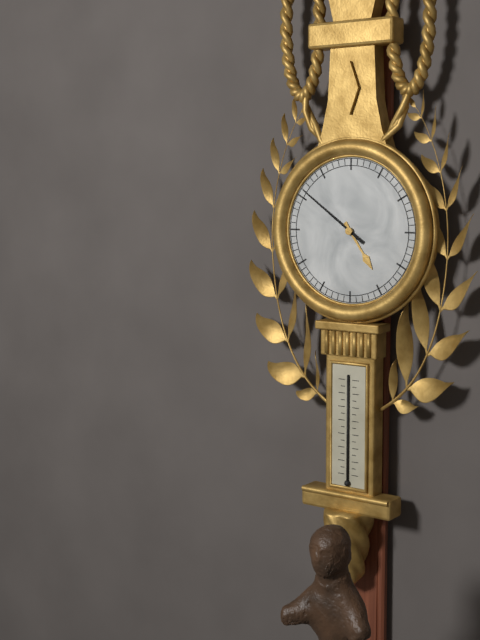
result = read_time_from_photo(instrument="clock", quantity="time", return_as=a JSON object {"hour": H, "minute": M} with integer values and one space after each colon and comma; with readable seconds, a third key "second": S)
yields {"hour": 4, "minute": 51}
